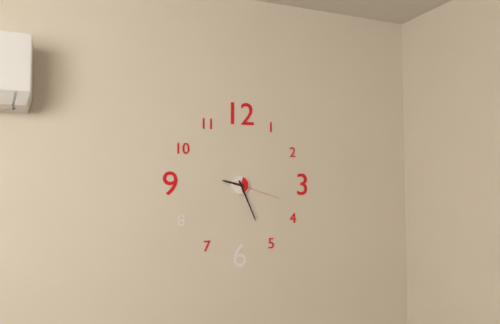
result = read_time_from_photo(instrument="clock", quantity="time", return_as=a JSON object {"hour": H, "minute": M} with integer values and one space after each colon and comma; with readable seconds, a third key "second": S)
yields {"hour": 9, "minute": 26, "second": 18}
